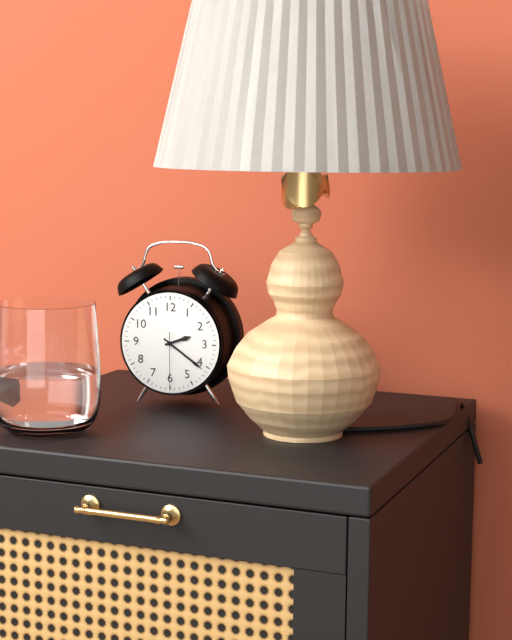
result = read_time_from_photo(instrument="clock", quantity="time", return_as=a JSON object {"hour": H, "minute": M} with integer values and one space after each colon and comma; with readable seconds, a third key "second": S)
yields {"hour": 2, "minute": 21, "second": 30}
